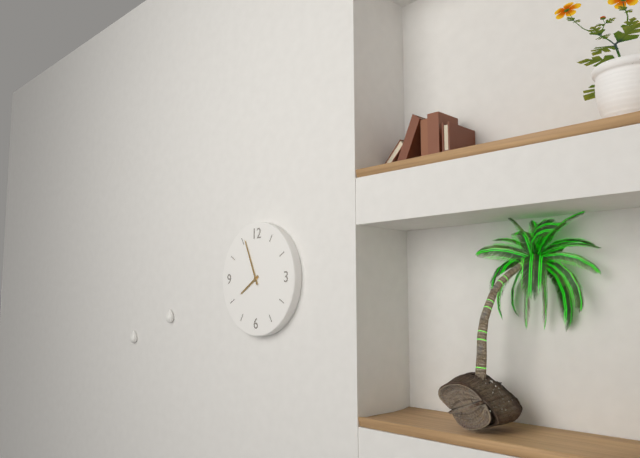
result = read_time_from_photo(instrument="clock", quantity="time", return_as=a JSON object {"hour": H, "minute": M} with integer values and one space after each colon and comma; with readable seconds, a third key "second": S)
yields {"hour": 7, "minute": 56}
